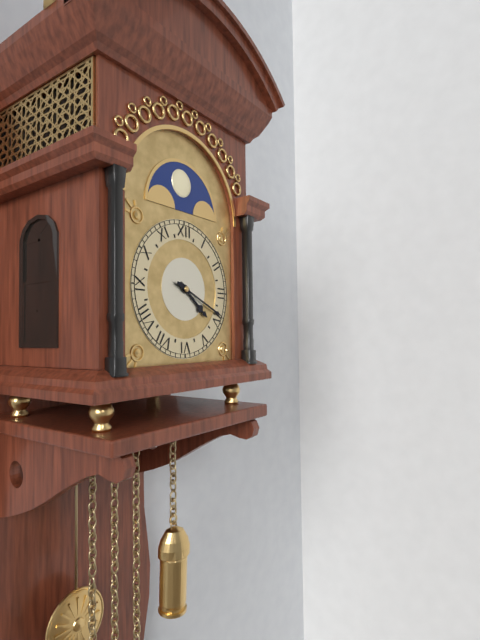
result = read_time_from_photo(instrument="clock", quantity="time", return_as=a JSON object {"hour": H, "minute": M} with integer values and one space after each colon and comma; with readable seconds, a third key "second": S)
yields {"hour": 4, "minute": 19}
